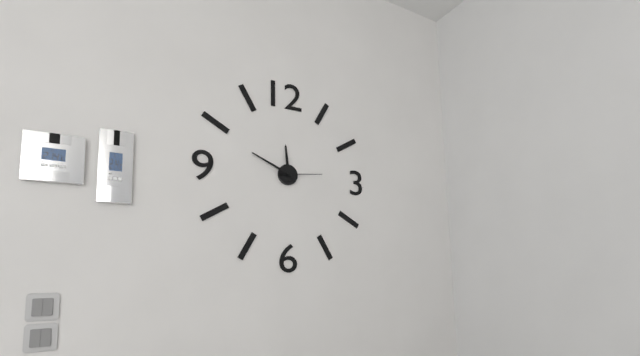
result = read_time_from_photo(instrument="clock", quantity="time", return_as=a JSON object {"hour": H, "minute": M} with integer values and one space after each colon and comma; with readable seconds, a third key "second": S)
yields {"hour": 11, "minute": 49}
